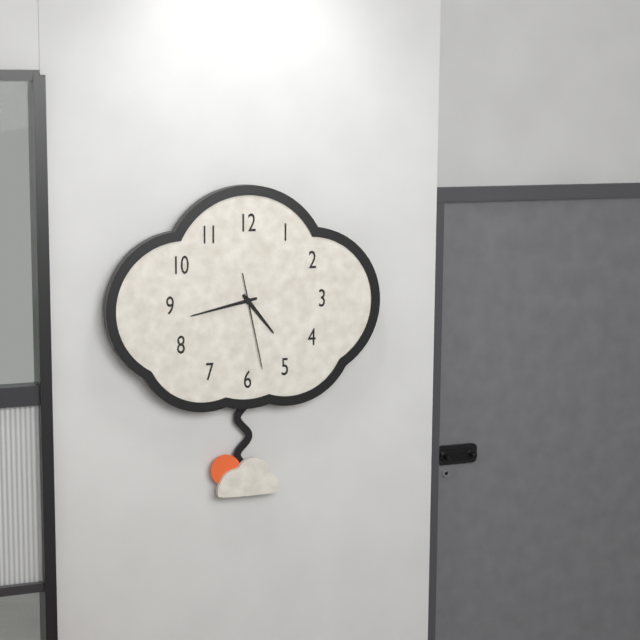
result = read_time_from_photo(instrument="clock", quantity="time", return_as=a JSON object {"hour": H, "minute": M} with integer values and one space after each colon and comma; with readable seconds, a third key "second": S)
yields {"hour": 4, "minute": 43, "second": 28}
